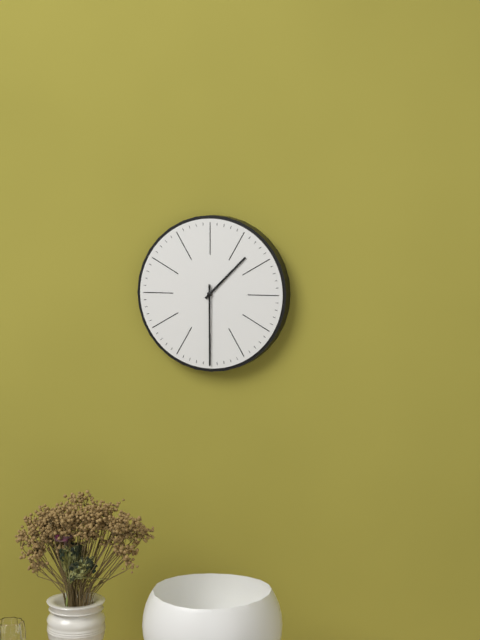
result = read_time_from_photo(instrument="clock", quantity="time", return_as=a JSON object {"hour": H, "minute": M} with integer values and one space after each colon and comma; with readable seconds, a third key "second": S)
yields {"hour": 1, "minute": 30}
